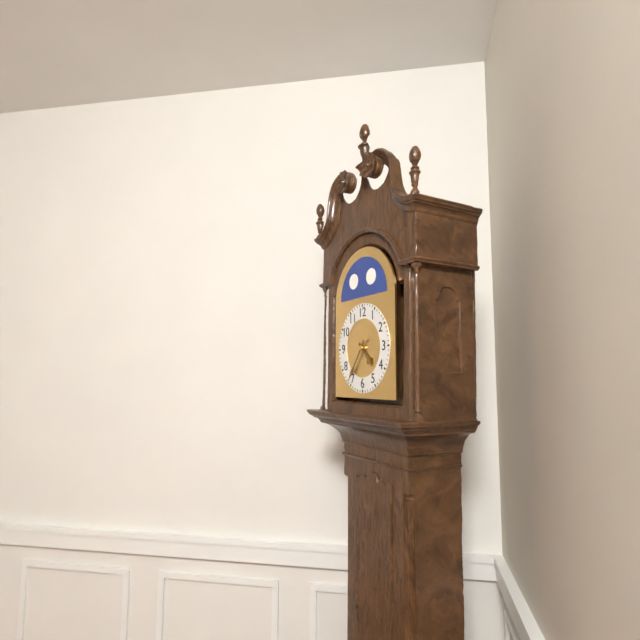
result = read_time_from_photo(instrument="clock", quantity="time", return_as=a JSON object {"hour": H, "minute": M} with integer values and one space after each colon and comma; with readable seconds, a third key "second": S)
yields {"hour": 4, "minute": 36}
